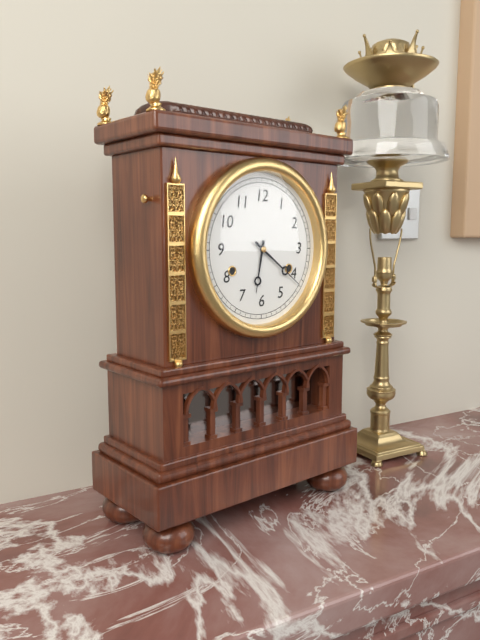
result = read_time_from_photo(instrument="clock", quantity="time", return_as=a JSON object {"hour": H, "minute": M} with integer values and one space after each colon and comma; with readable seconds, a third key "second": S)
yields {"hour": 6, "minute": 21}
